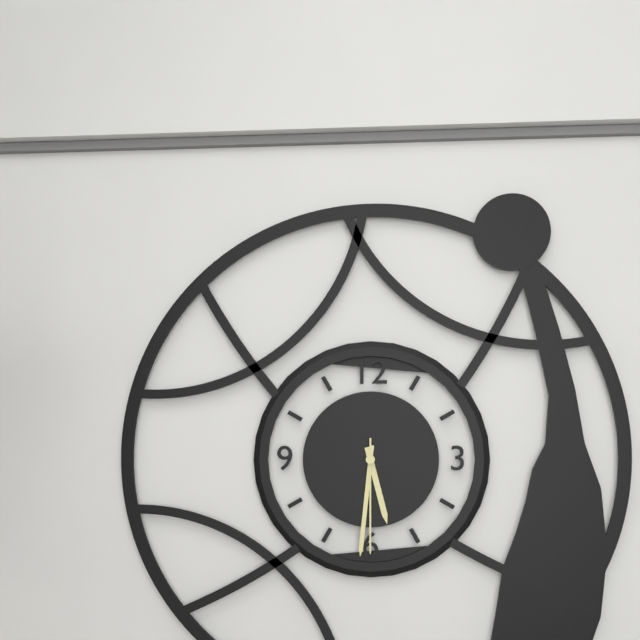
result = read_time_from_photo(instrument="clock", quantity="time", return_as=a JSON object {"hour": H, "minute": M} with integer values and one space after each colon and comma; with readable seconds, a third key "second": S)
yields {"hour": 5, "minute": 31, "second": 30}
